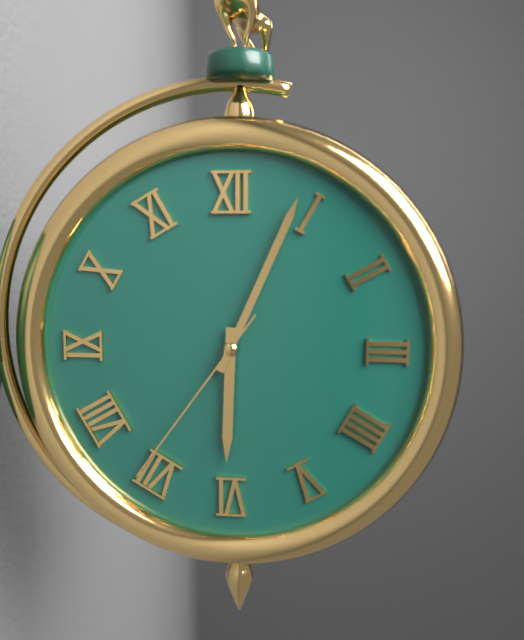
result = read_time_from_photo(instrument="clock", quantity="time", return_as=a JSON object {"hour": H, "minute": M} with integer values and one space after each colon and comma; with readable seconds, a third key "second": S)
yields {"hour": 6, "minute": 4, "second": 36}
